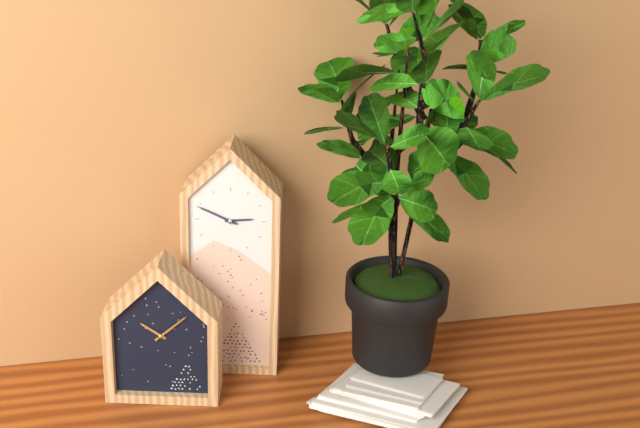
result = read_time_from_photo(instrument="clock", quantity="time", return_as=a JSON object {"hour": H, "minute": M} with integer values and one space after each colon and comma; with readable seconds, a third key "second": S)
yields {"hour": 2, "minute": 49}
